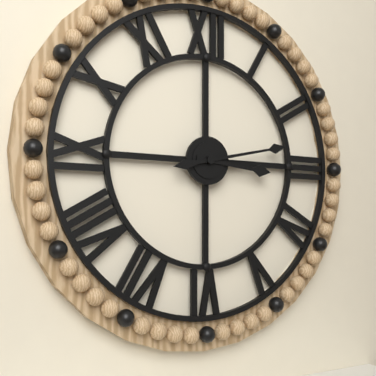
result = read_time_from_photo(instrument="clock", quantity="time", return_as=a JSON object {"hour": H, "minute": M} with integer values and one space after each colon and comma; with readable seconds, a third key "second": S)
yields {"hour": 3, "minute": 13}
